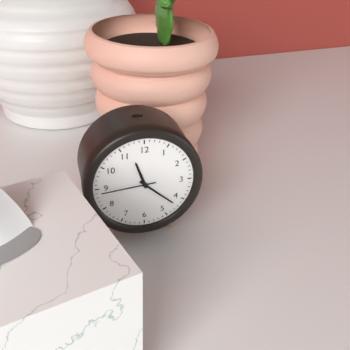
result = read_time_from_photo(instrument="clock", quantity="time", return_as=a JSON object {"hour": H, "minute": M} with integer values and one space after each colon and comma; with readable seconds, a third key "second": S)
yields {"hour": 11, "minute": 22, "second": 44}
